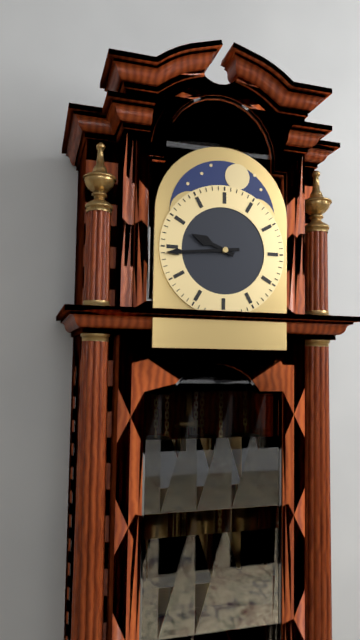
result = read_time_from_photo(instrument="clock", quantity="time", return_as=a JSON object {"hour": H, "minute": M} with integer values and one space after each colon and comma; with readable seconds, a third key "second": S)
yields {"hour": 9, "minute": 44}
